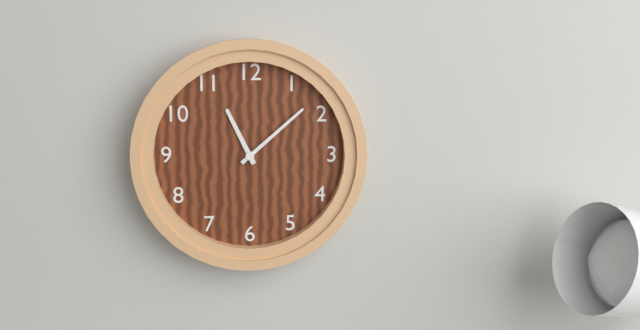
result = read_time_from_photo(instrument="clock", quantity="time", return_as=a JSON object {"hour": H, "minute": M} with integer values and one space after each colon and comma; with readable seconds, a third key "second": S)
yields {"hour": 11, "minute": 8}
